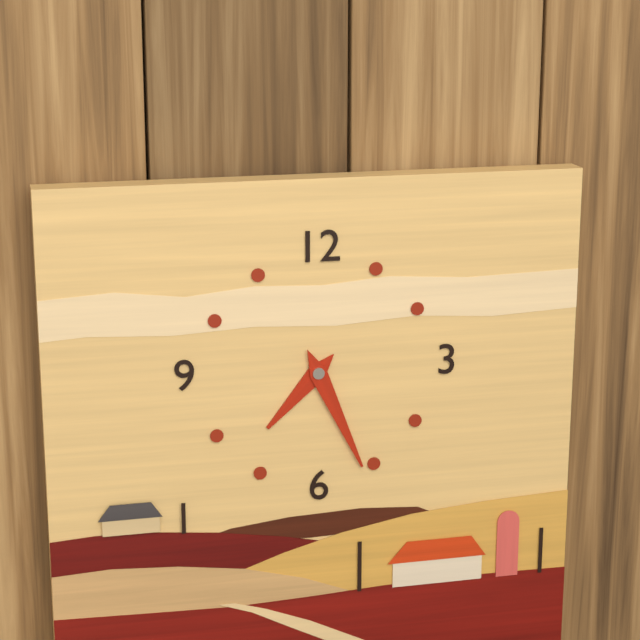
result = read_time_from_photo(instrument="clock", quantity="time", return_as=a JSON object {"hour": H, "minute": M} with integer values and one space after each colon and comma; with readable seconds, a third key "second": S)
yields {"hour": 7, "minute": 26}
